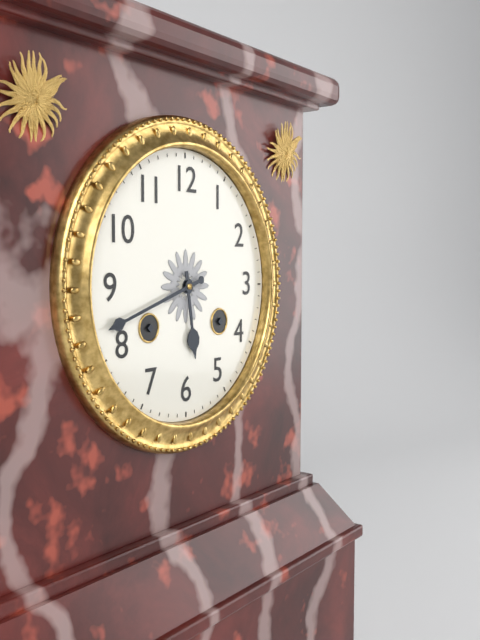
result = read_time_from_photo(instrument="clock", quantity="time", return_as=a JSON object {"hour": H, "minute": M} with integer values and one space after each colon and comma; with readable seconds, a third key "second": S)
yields {"hour": 5, "minute": 42}
